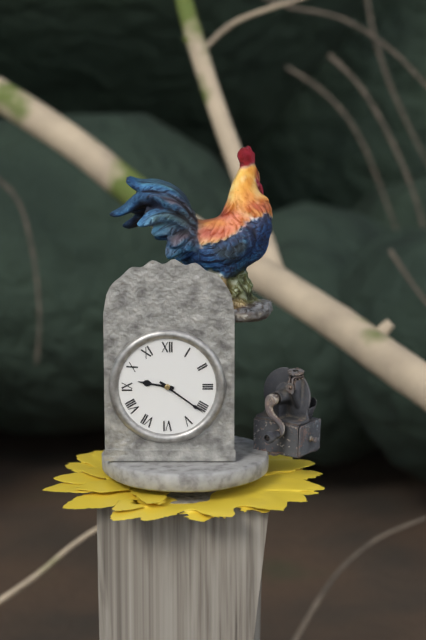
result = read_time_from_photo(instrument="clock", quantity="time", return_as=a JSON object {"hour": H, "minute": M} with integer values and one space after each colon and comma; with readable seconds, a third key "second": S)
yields {"hour": 9, "minute": 21}
